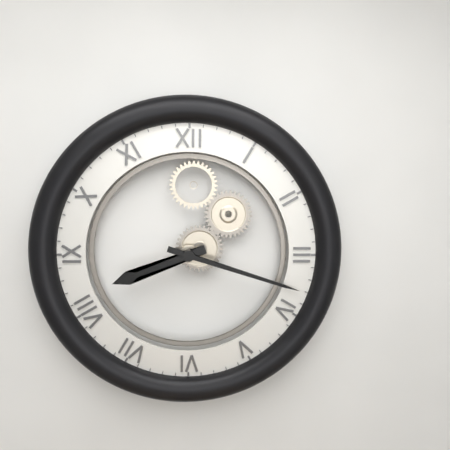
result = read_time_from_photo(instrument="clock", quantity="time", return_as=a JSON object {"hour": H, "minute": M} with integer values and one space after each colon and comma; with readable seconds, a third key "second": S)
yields {"hour": 8, "minute": 18}
